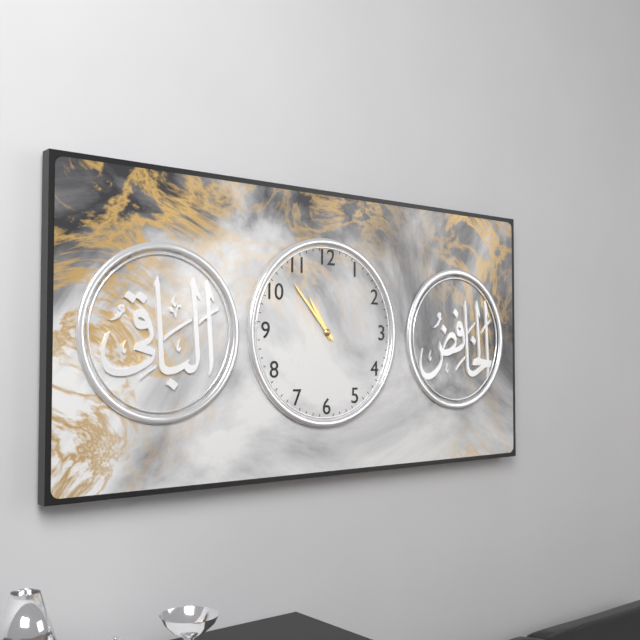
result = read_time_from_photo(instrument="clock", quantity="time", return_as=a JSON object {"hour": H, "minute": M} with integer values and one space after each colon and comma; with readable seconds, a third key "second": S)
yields {"hour": 10, "minute": 53}
